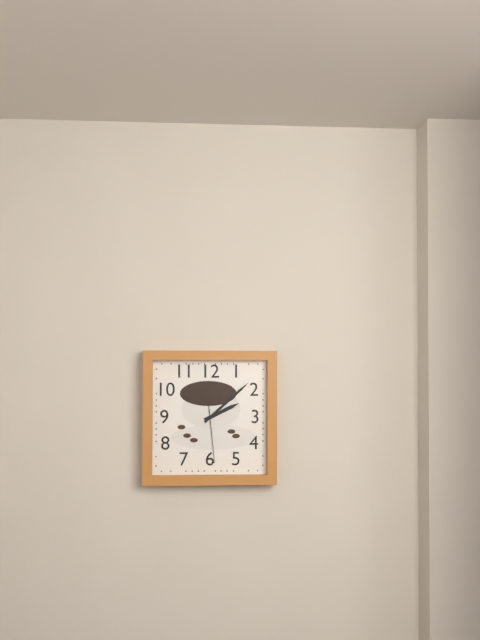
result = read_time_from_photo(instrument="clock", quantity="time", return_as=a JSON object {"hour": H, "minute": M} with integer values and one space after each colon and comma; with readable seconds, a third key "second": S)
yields {"hour": 2, "minute": 8, "second": 29}
